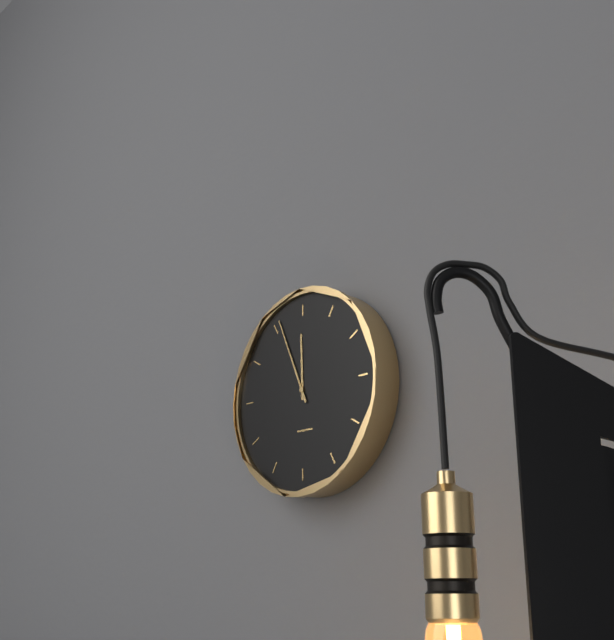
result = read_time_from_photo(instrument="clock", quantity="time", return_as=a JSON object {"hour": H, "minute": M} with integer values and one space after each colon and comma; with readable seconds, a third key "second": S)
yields {"hour": 11, "minute": 56}
